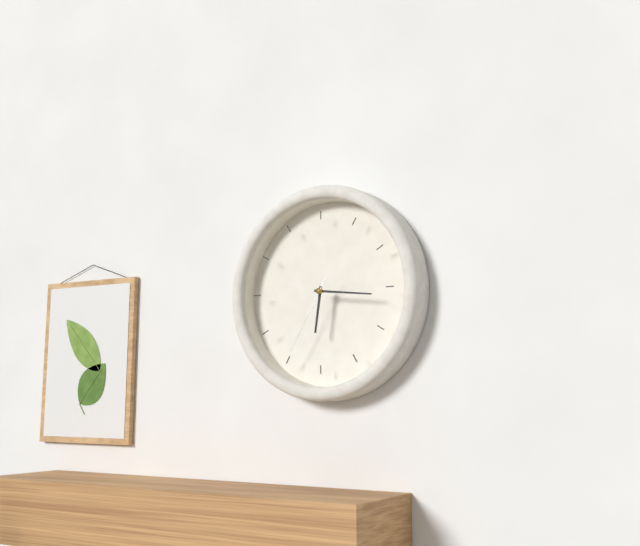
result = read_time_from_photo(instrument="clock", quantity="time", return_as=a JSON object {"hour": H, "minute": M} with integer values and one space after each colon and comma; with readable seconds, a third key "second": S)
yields {"hour": 6, "minute": 16, "second": 35}
